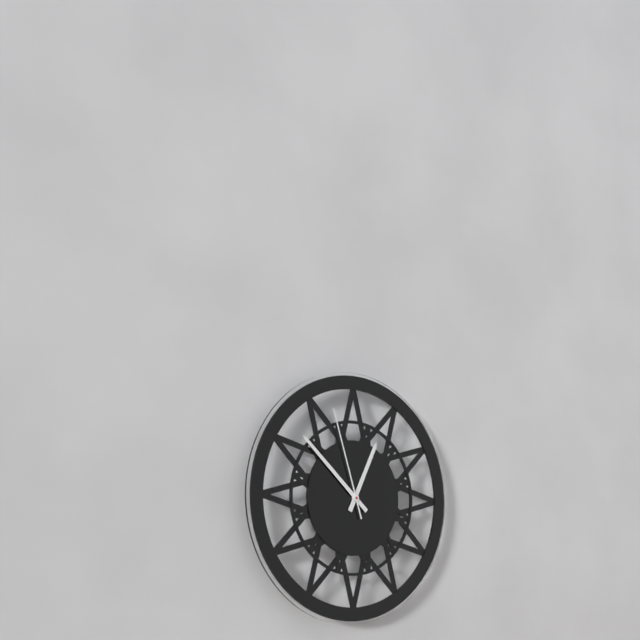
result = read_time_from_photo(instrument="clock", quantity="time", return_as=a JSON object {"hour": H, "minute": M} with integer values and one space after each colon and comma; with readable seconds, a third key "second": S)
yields {"hour": 12, "minute": 52, "second": 57}
